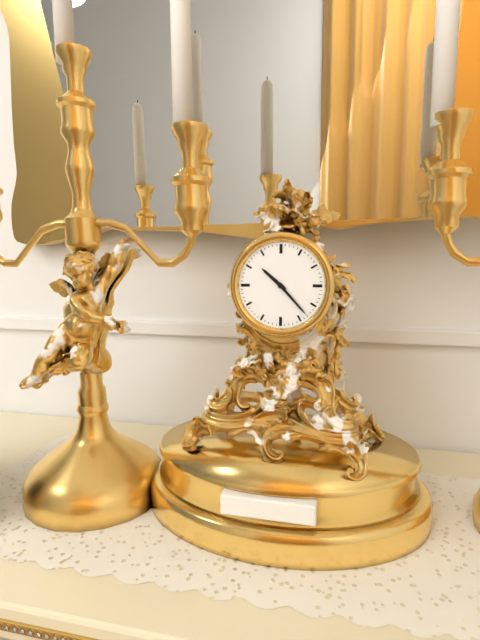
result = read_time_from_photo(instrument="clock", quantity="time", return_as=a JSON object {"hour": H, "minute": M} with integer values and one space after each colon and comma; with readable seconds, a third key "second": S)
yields {"hour": 10, "minute": 23}
